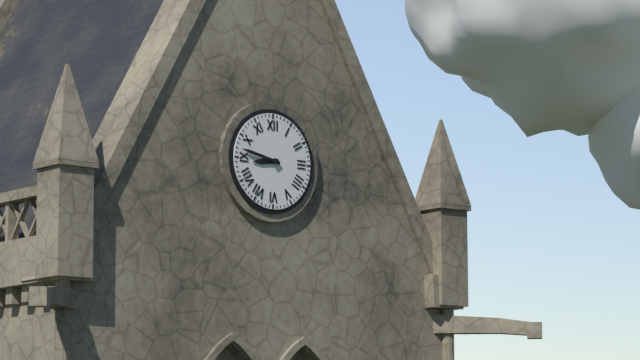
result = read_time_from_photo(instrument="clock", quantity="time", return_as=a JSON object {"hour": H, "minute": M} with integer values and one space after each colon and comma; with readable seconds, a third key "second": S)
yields {"hour": 8, "minute": 47}
